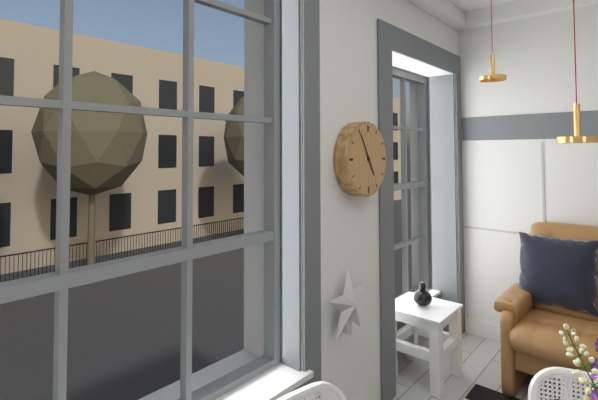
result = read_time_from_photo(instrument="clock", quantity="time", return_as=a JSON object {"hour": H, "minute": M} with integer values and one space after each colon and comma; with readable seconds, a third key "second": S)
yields {"hour": 4, "minute": 55}
